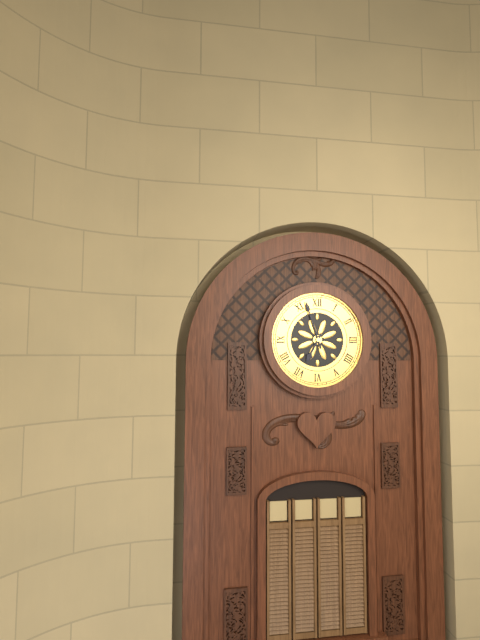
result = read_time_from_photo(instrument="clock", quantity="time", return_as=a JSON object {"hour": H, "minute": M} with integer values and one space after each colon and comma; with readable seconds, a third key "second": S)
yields {"hour": 6, "minute": 57}
